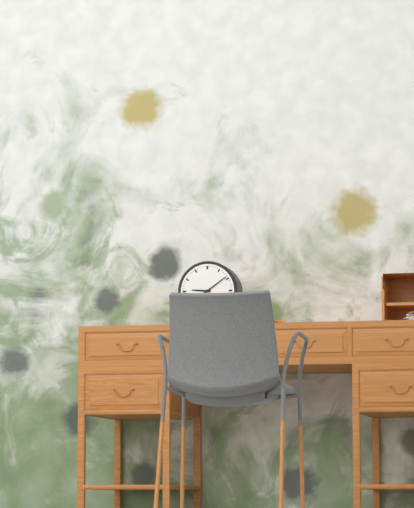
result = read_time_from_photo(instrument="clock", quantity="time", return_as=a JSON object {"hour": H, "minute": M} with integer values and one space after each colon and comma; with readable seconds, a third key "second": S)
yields {"hour": 9, "minute": 9}
